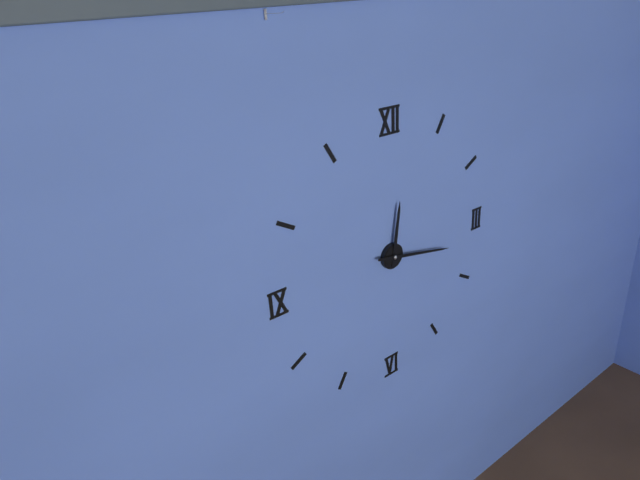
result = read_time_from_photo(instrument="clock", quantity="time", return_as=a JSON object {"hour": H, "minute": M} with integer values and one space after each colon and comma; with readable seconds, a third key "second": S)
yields {"hour": 12, "minute": 17}
